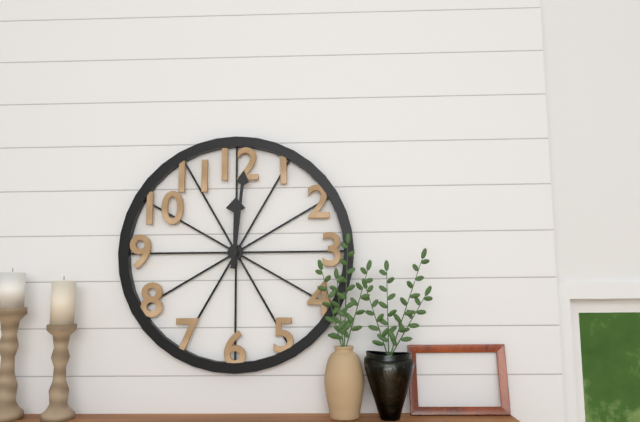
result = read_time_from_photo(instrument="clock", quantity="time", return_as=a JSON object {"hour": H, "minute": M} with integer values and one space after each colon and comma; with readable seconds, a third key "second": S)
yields {"hour": 12, "minute": 1}
